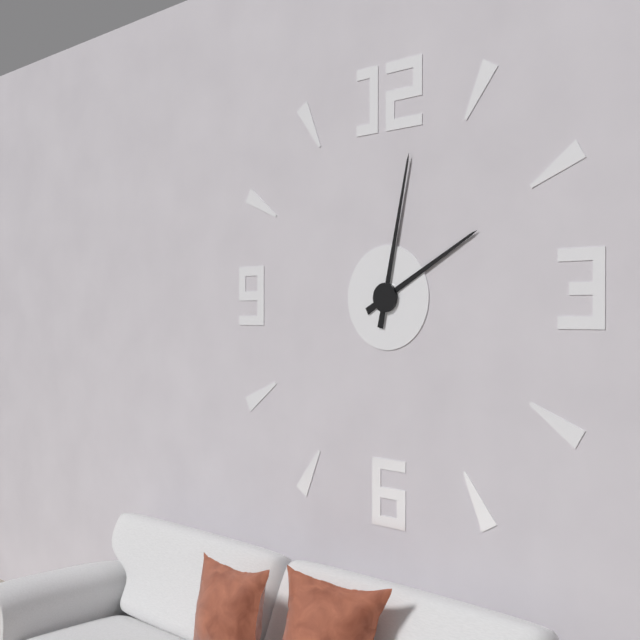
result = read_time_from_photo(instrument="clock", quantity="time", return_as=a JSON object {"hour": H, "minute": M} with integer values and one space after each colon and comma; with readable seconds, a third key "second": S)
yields {"hour": 2, "minute": 2}
